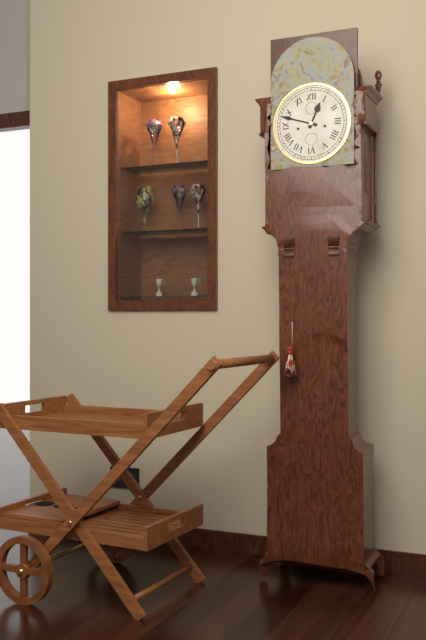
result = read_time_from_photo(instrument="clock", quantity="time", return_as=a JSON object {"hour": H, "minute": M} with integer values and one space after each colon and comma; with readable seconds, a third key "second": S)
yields {"hour": 12, "minute": 48}
